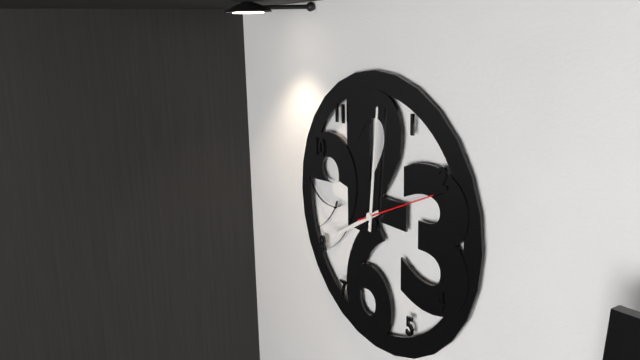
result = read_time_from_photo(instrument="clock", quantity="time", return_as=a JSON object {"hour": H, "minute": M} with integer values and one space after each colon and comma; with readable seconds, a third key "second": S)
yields {"hour": 8, "minute": 1, "second": 11}
